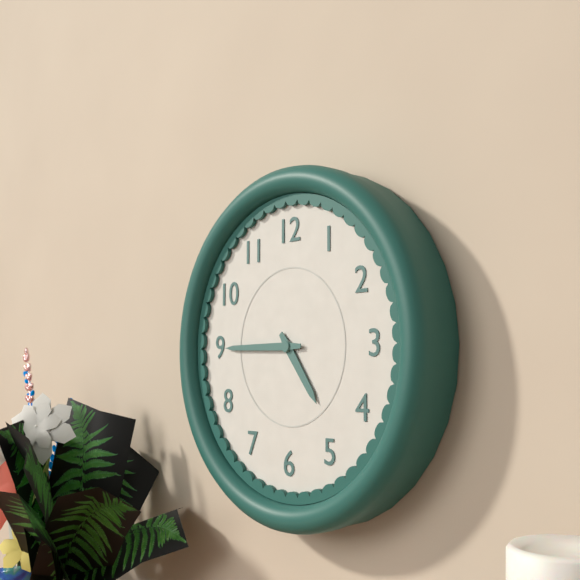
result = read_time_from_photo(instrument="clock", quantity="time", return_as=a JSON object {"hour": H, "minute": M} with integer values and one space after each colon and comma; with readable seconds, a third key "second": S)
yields {"hour": 4, "minute": 45}
